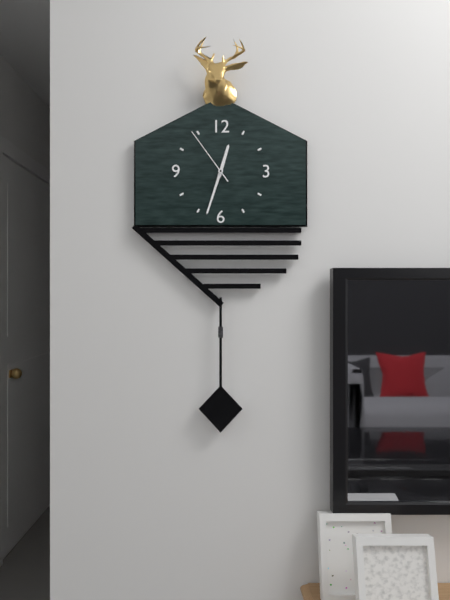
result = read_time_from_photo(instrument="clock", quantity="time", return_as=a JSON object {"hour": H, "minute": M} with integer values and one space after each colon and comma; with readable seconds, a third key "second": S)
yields {"hour": 12, "minute": 33, "second": 54}
